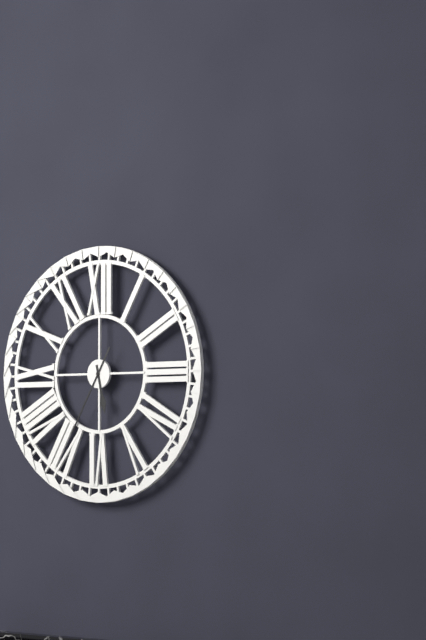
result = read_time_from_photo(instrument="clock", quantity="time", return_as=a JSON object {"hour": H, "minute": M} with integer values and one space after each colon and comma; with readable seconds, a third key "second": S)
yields {"hour": 5, "minute": 35}
